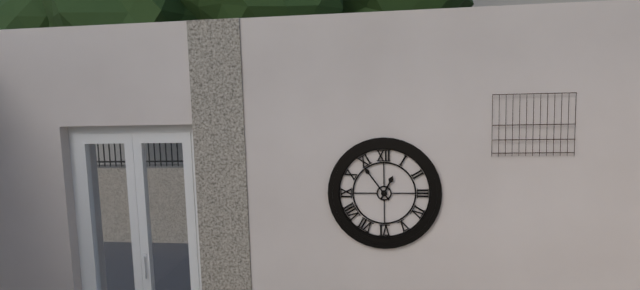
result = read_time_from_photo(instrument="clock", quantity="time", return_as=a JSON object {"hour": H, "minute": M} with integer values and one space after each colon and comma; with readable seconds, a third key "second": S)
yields {"hour": 12, "minute": 54}
